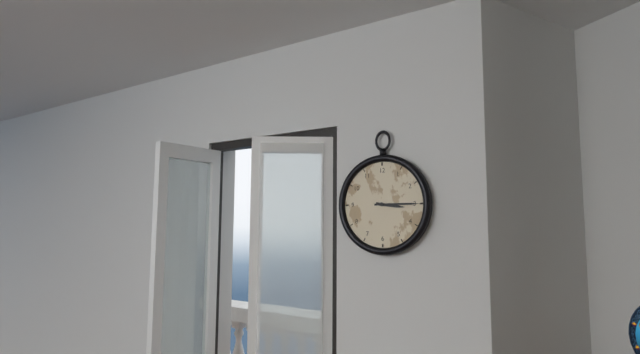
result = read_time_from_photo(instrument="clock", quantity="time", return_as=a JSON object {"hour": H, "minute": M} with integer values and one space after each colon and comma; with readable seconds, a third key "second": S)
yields {"hour": 3, "minute": 15}
